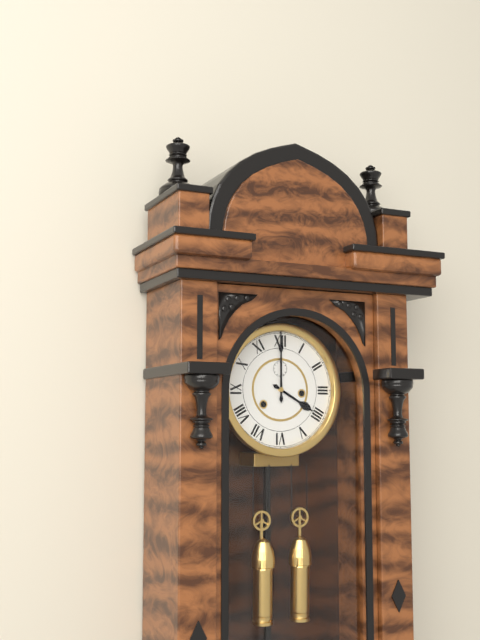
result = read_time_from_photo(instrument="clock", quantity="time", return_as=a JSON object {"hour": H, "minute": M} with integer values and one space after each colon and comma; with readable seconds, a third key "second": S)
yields {"hour": 4, "minute": 0}
